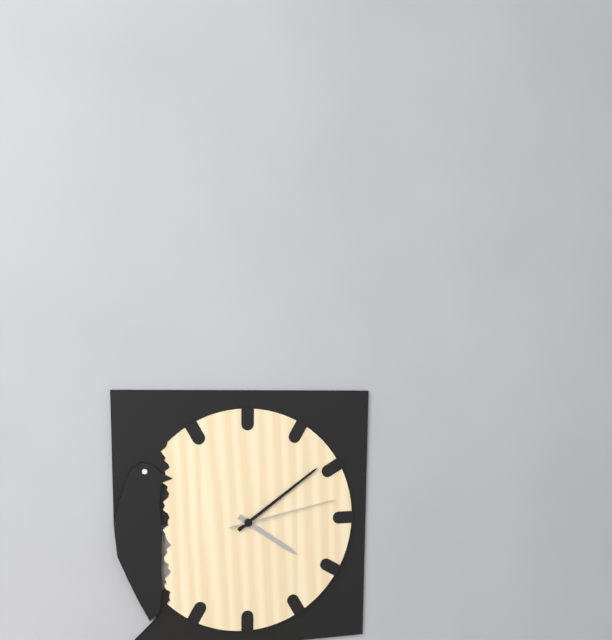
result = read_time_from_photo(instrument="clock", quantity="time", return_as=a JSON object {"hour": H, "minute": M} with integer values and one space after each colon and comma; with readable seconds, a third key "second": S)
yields {"hour": 4, "minute": 9, "second": 13}
